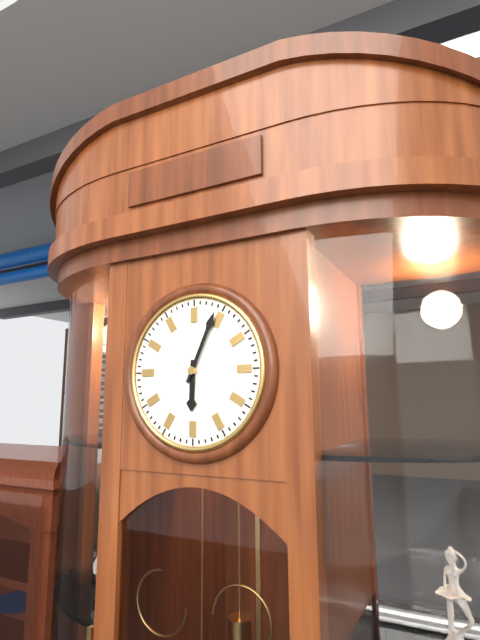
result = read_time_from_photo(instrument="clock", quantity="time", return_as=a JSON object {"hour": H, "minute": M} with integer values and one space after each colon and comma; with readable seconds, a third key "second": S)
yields {"hour": 6, "minute": 4}
